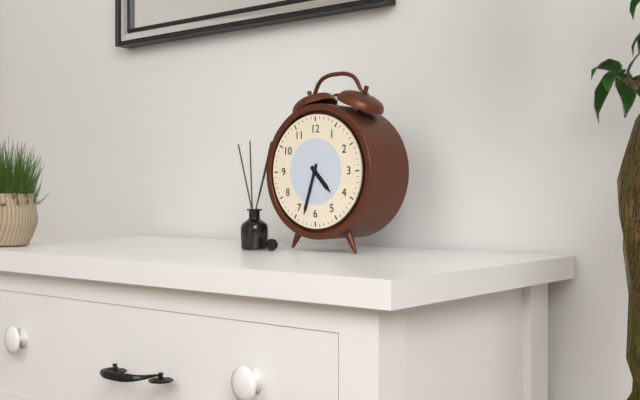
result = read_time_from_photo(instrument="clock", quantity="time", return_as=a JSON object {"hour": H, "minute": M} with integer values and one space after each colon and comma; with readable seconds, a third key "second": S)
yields {"hour": 4, "minute": 33}
